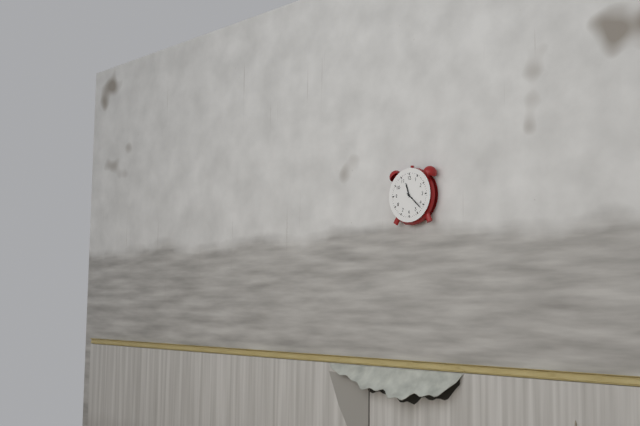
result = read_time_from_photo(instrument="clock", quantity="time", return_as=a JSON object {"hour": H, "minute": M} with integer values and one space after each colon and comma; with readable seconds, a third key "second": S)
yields {"hour": 11, "minute": 22}
